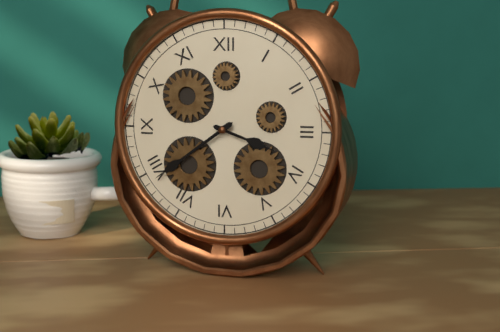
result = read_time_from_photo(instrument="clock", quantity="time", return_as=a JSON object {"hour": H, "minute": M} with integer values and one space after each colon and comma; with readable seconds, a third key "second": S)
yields {"hour": 3, "minute": 39}
